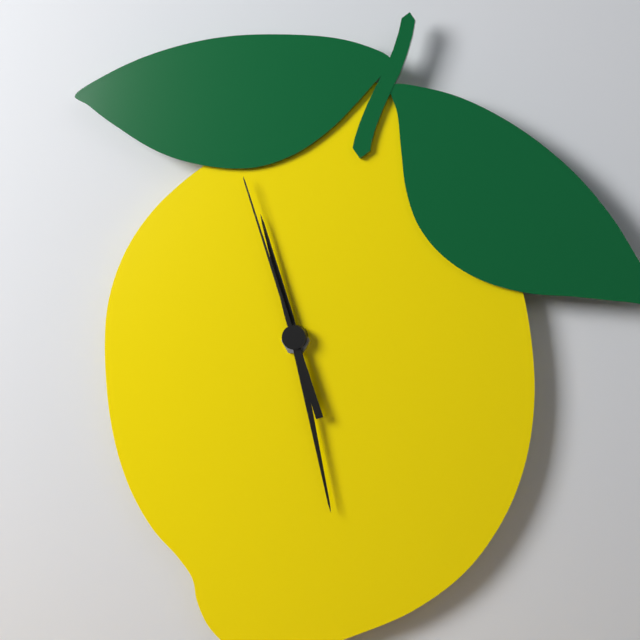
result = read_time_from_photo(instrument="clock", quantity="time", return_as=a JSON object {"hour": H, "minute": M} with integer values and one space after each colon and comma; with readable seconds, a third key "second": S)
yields {"hour": 11, "minute": 28, "second": 57}
